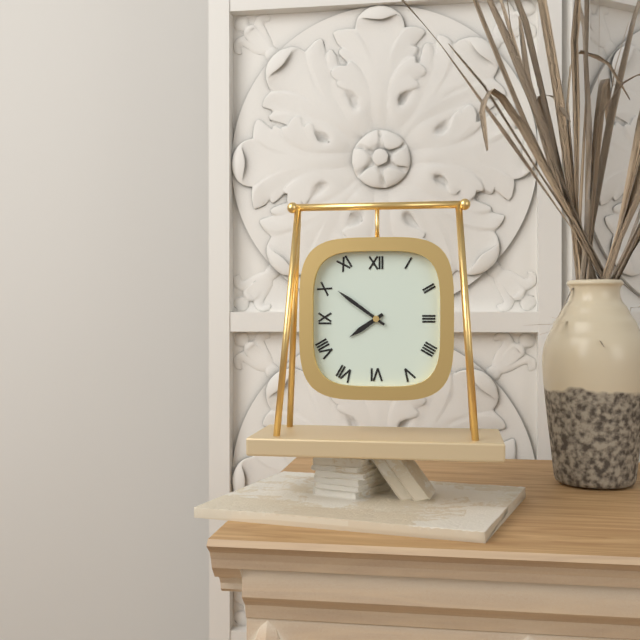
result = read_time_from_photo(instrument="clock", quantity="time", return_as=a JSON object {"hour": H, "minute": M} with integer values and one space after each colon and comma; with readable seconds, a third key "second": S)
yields {"hour": 7, "minute": 51}
